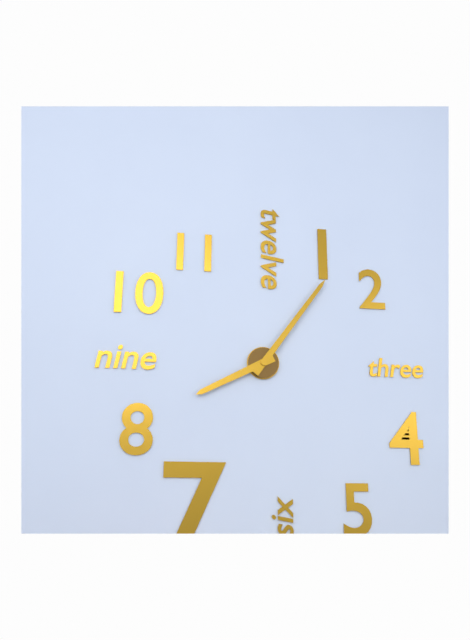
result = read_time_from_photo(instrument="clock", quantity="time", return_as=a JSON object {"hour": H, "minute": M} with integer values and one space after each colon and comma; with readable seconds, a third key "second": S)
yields {"hour": 8, "minute": 6}
